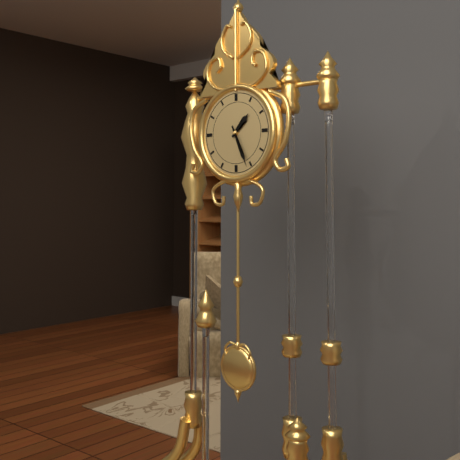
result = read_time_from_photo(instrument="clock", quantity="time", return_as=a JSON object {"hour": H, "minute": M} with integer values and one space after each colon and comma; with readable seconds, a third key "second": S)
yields {"hour": 1, "minute": 26}
